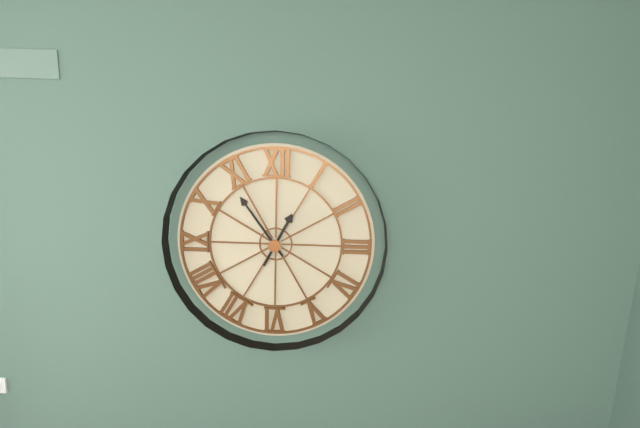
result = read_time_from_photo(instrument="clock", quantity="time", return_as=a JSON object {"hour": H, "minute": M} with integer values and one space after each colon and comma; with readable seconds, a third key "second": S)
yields {"hour": 12, "minute": 54}
